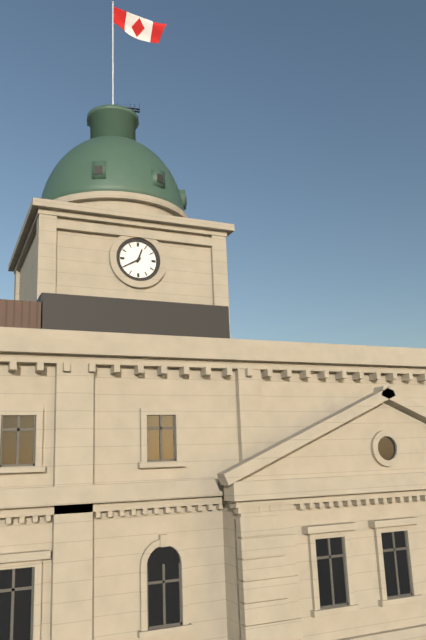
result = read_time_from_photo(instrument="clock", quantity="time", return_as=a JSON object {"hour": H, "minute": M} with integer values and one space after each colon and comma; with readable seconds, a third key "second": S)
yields {"hour": 12, "minute": 40}
